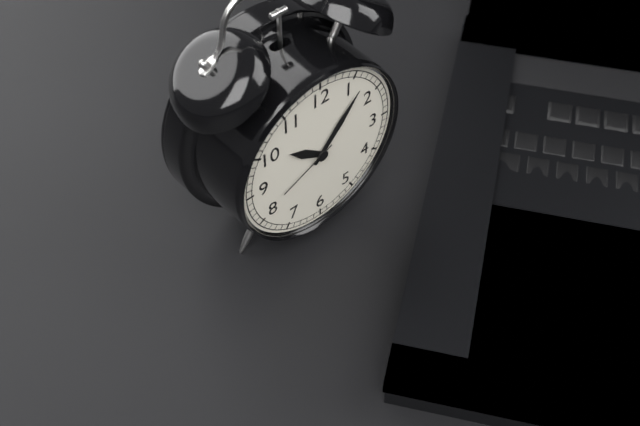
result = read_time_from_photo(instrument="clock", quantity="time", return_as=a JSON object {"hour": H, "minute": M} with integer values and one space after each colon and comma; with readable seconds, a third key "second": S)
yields {"hour": 10, "minute": 7, "second": 41}
